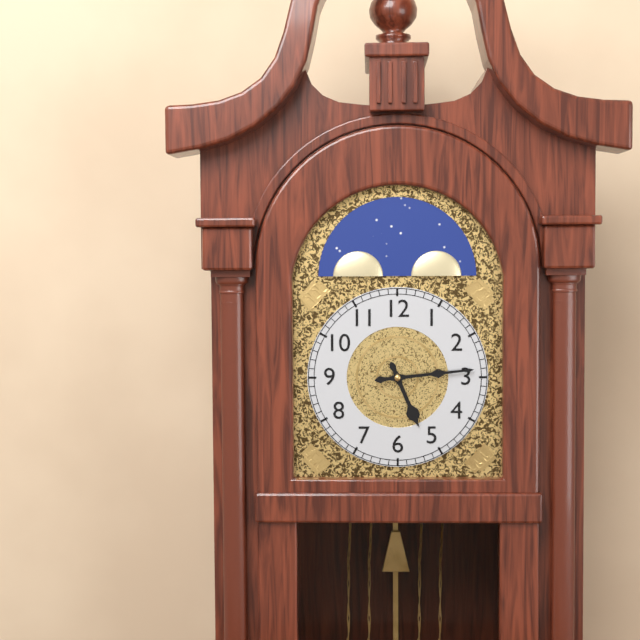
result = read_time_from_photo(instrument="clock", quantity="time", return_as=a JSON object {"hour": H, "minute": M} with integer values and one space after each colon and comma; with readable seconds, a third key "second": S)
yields {"hour": 5, "minute": 14}
